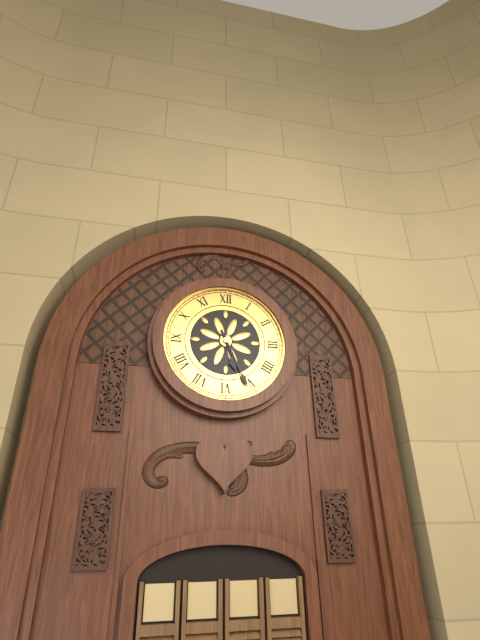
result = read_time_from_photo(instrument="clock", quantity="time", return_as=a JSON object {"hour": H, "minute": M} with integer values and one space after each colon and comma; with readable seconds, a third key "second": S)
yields {"hour": 5, "minute": 26}
